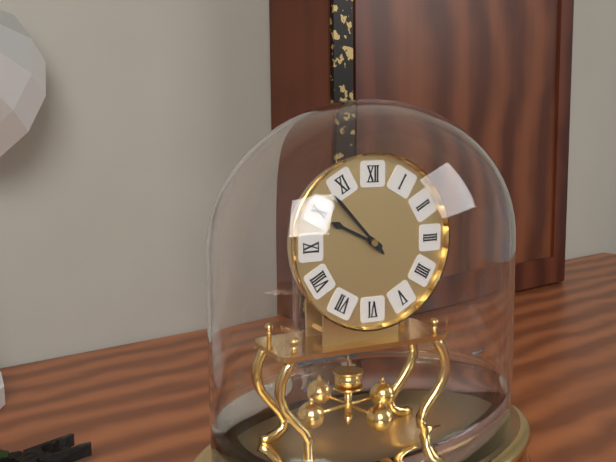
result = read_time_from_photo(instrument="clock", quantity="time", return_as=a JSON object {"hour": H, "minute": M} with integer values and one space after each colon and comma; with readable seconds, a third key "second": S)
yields {"hour": 9, "minute": 53}
